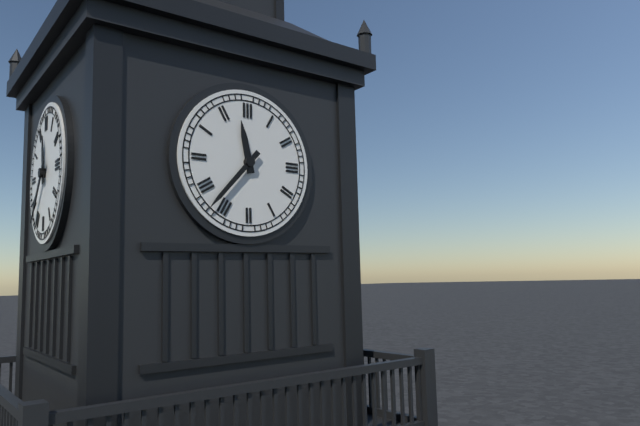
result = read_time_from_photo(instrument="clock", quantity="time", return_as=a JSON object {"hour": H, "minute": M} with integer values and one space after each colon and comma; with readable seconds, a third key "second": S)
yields {"hour": 11, "minute": 37}
